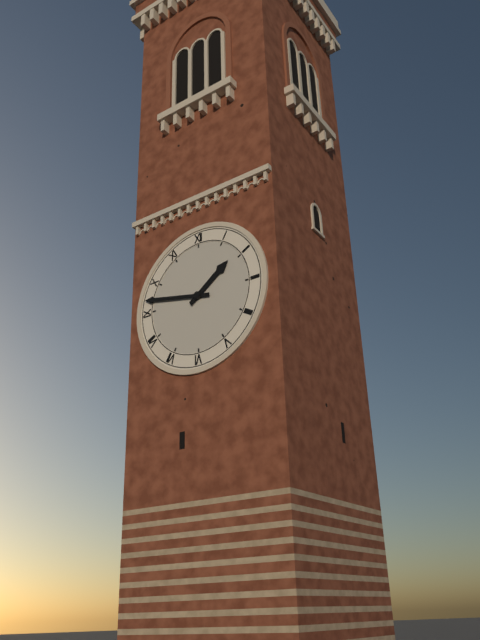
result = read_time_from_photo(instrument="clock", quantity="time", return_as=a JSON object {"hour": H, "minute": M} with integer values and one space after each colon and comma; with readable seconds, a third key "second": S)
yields {"hour": 1, "minute": 47}
